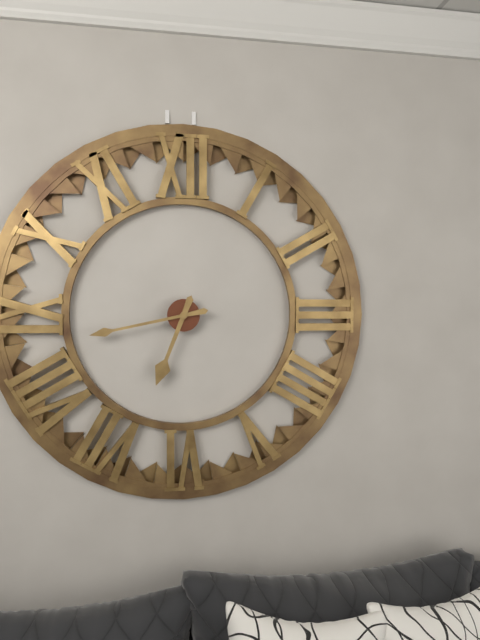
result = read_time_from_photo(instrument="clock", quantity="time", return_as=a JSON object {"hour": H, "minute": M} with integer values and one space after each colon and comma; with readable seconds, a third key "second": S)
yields {"hour": 6, "minute": 43}
